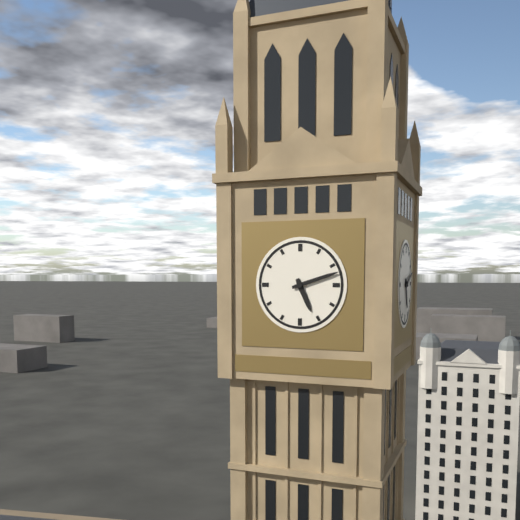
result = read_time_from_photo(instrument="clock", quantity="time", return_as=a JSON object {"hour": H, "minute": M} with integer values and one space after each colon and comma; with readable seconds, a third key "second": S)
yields {"hour": 5, "minute": 12}
